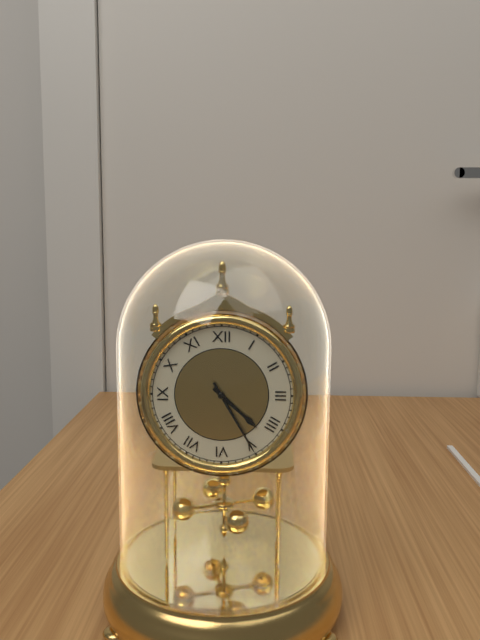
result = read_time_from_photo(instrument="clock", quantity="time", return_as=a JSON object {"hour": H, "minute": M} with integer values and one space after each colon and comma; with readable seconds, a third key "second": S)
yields {"hour": 4, "minute": 25}
